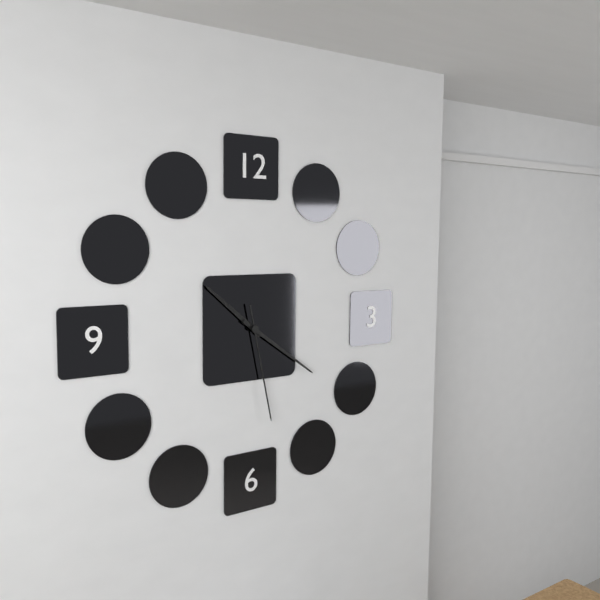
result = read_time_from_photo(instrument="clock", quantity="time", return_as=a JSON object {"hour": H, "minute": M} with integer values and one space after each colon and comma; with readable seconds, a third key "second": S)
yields {"hour": 10, "minute": 21, "second": 28}
